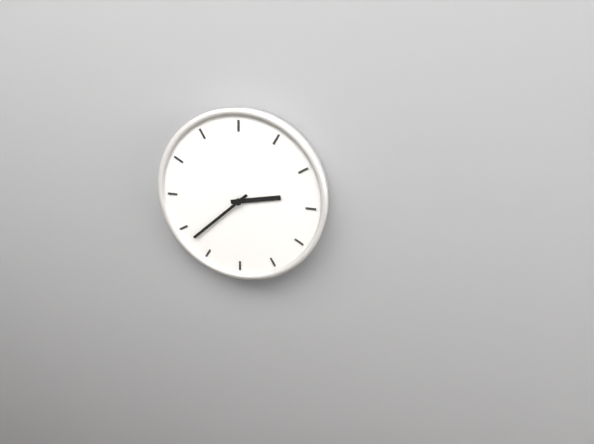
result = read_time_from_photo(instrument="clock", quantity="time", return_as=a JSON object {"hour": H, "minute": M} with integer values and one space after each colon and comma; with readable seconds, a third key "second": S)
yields {"hour": 2, "minute": 38}
